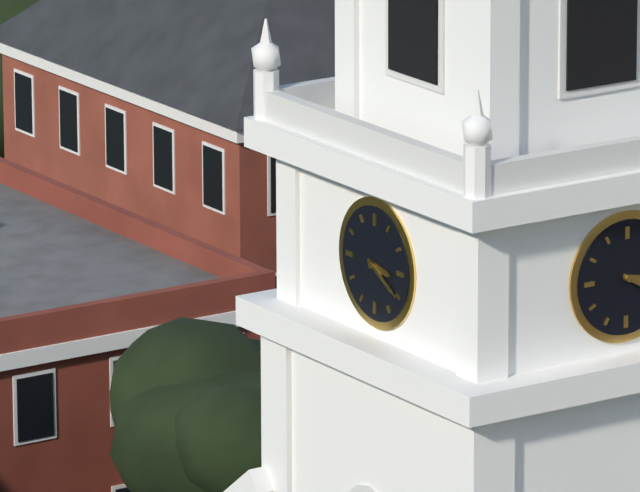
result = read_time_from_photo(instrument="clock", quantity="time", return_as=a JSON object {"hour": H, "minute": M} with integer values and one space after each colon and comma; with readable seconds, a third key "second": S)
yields {"hour": 3, "minute": 20}
